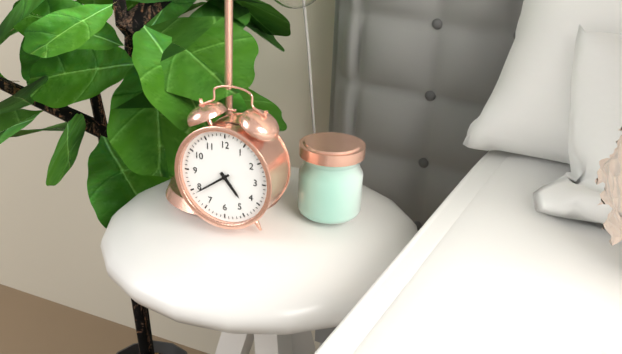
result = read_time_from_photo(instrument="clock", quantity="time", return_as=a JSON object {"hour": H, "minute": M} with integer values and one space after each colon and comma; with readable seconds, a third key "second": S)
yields {"hour": 4, "minute": 39}
